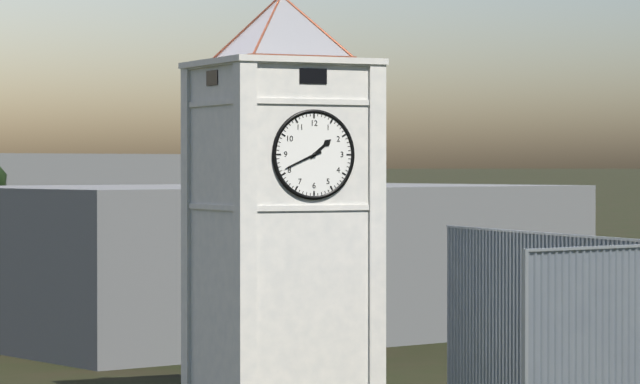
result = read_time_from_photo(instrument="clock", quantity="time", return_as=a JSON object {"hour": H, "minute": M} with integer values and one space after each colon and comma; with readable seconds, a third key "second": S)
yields {"hour": 1, "minute": 41}
